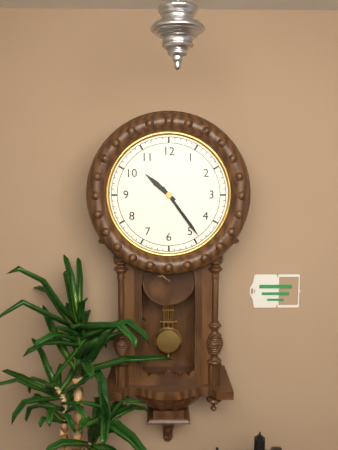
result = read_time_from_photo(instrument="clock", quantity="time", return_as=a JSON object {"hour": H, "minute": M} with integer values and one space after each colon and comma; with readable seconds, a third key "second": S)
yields {"hour": 10, "minute": 24}
